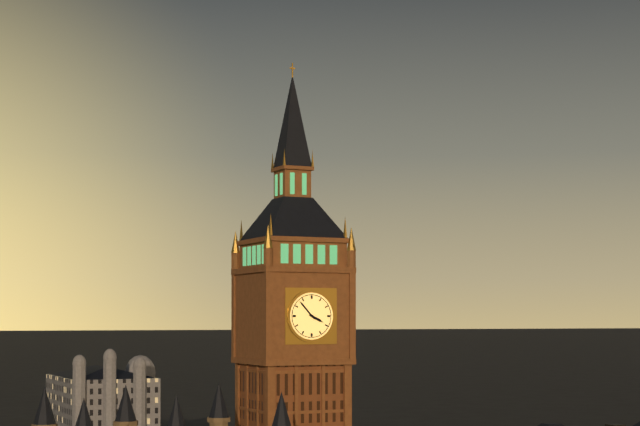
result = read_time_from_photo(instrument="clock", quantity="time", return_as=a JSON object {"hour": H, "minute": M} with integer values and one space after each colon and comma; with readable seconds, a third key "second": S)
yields {"hour": 3, "minute": 53}
